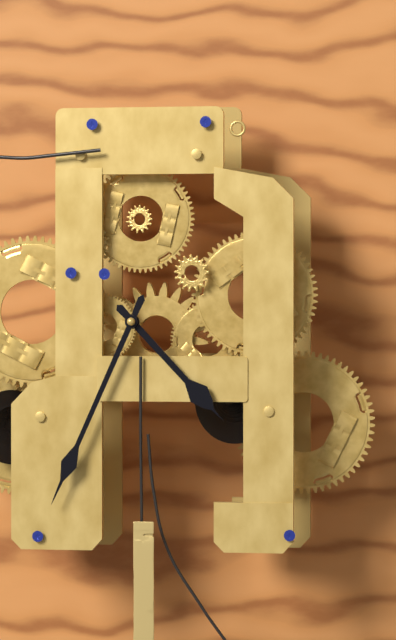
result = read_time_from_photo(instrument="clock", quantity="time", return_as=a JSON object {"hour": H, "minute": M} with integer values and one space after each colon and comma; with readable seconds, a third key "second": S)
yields {"hour": 4, "minute": 34}
